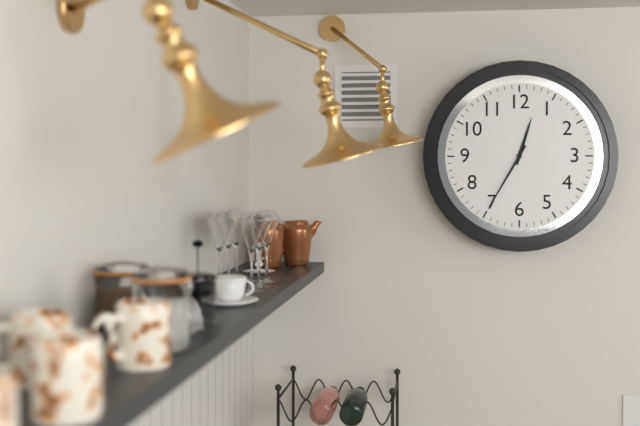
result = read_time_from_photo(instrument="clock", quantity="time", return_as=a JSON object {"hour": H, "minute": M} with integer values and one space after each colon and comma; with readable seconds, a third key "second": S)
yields {"hour": 12, "minute": 35}
